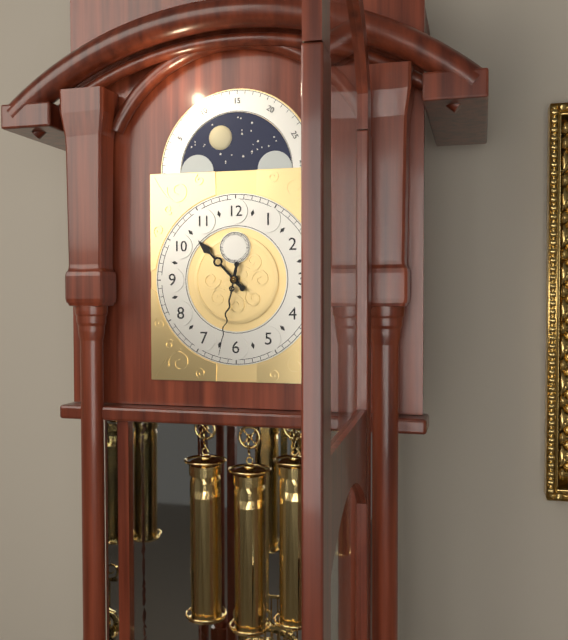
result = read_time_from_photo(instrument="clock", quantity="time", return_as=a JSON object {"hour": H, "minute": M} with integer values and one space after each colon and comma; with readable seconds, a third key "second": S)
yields {"hour": 10, "minute": 32}
